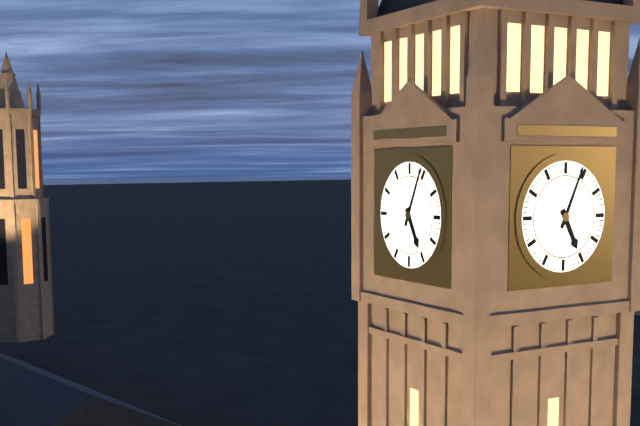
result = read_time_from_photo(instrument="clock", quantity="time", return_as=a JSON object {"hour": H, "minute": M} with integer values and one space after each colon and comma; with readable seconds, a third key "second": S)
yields {"hour": 5, "minute": 4}
